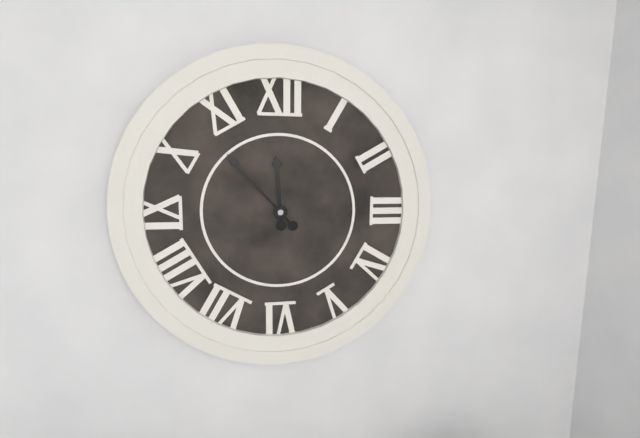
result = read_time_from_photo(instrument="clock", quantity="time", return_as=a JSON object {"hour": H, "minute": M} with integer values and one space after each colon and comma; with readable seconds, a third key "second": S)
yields {"hour": 11, "minute": 53}
